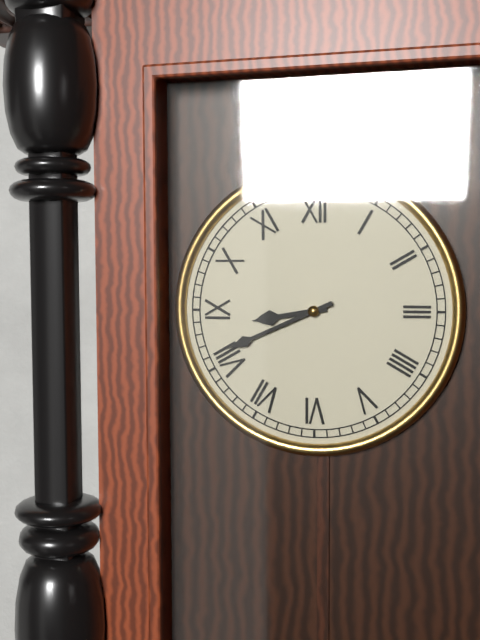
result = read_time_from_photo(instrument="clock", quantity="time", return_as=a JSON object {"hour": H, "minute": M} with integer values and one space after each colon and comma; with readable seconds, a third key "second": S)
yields {"hour": 8, "minute": 41}
